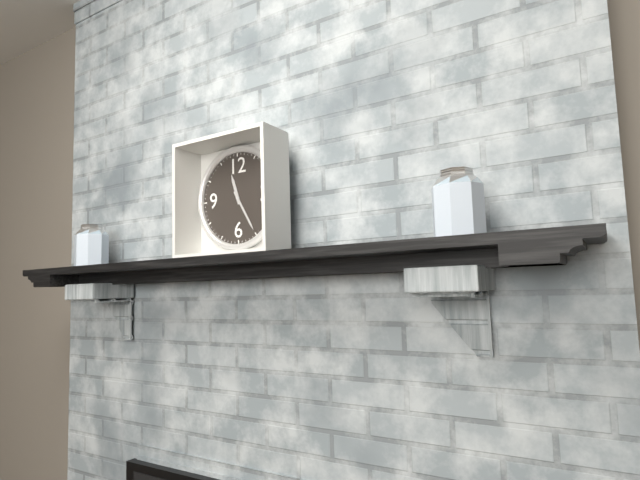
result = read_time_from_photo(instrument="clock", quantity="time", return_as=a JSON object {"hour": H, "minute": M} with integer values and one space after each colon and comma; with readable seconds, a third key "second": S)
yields {"hour": 11, "minute": 25}
